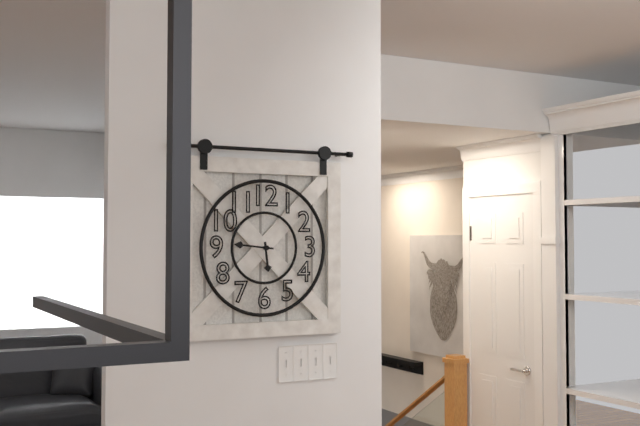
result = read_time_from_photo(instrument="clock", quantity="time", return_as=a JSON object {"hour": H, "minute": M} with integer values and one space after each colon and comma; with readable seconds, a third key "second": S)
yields {"hour": 5, "minute": 46}
